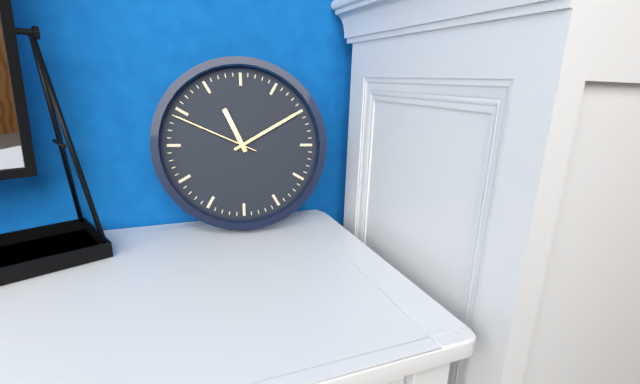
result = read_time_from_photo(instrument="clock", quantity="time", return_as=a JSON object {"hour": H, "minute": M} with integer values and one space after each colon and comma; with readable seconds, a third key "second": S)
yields {"hour": 11, "minute": 10, "second": 49}
